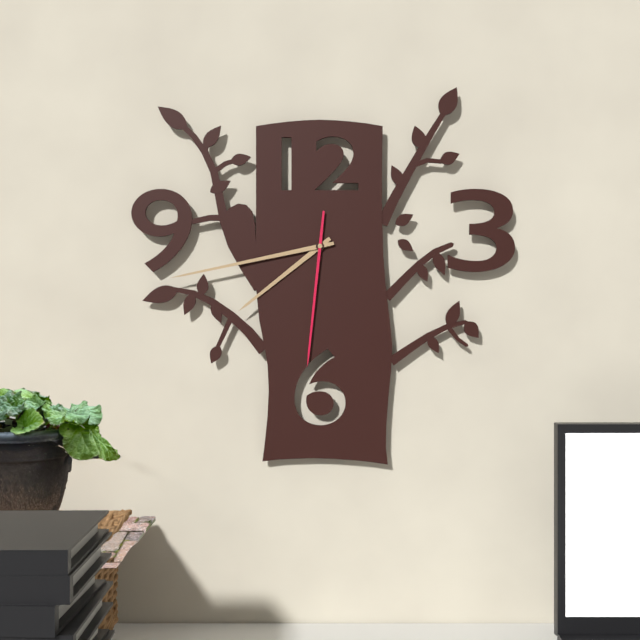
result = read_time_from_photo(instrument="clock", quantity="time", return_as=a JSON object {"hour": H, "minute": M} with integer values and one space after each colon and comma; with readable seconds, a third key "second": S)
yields {"hour": 7, "minute": 43, "second": 31}
